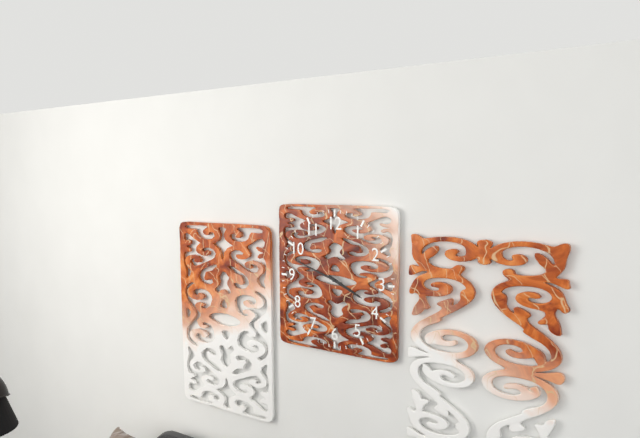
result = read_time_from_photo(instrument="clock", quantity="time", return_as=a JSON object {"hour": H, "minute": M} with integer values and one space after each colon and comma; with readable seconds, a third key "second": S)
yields {"hour": 3, "minute": 48}
